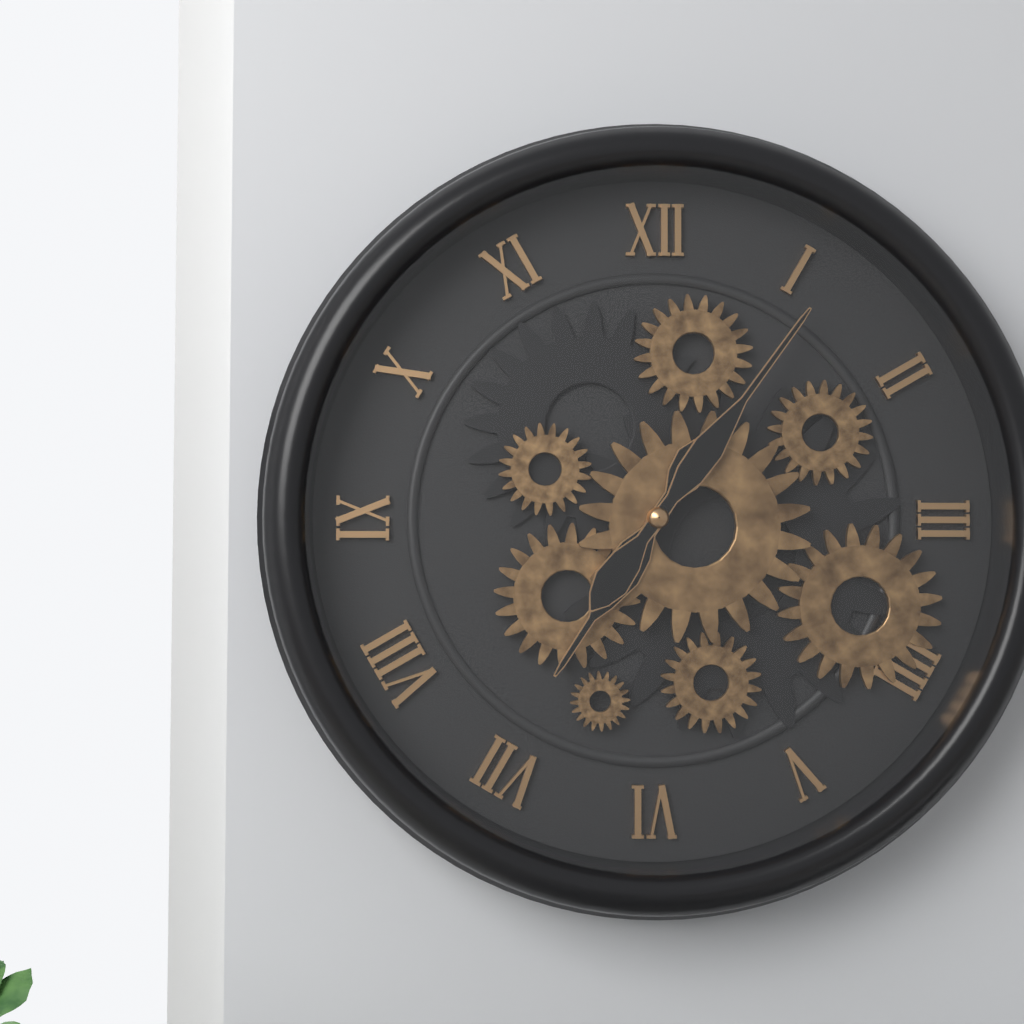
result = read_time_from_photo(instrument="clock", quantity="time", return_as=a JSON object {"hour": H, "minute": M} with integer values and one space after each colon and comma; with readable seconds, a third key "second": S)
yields {"hour": 7, "minute": 6}
